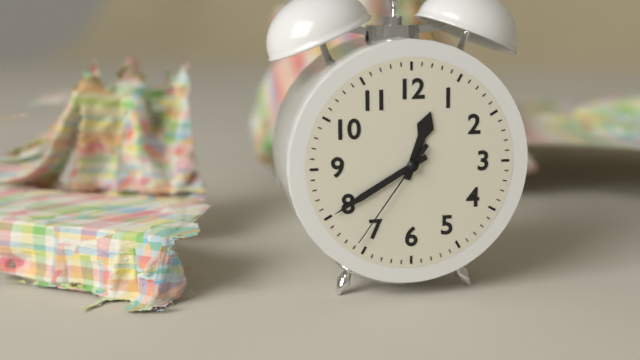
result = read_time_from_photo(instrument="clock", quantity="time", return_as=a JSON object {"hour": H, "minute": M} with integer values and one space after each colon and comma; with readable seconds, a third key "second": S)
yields {"hour": 12, "minute": 40, "second": 36}
